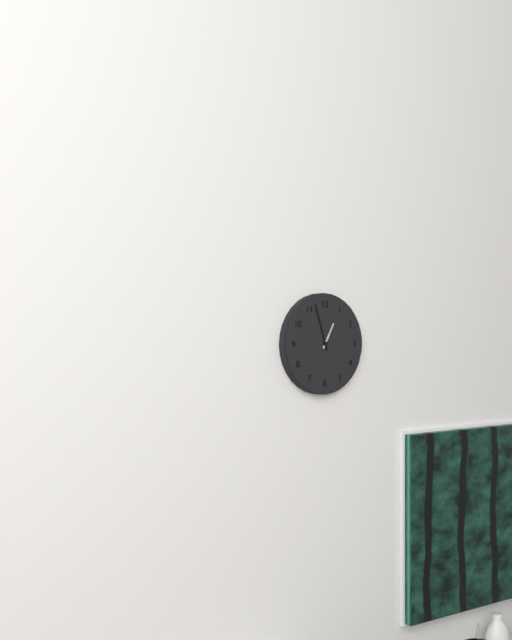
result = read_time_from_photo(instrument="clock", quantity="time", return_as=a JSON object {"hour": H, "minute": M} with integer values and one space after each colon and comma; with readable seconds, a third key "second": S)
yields {"hour": 12, "minute": 57}
